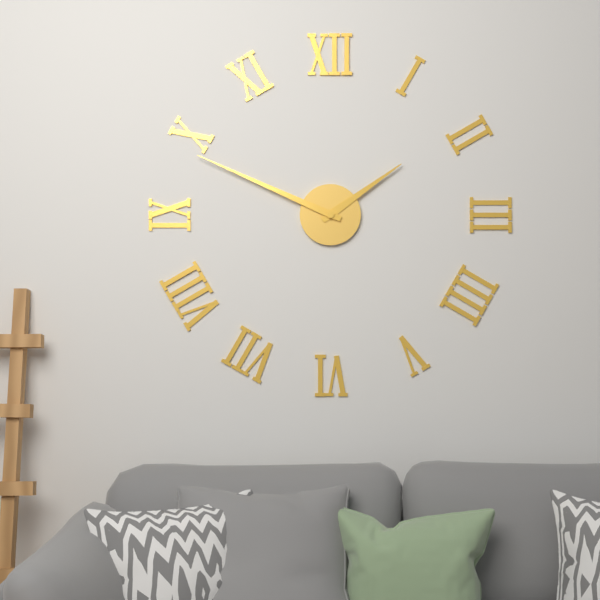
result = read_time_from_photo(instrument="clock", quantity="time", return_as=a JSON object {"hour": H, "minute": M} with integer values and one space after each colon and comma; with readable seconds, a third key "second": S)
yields {"hour": 1, "minute": 49}
